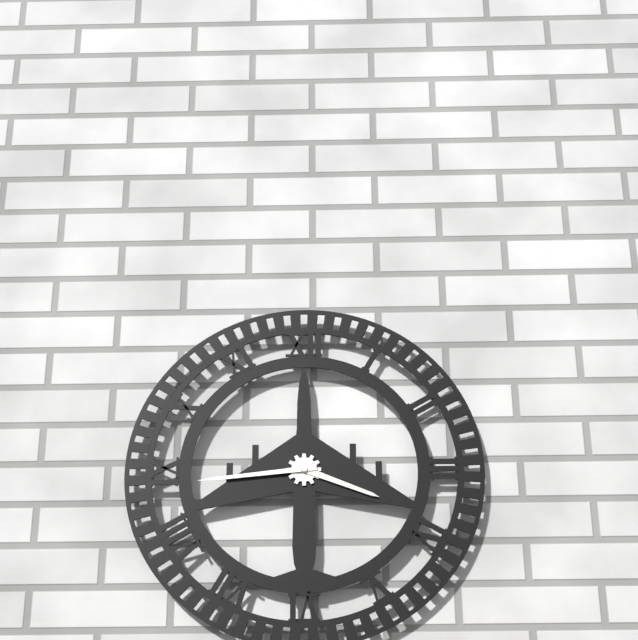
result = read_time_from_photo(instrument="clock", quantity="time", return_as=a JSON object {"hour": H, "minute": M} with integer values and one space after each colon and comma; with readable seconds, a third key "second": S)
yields {"hour": 3, "minute": 44}
